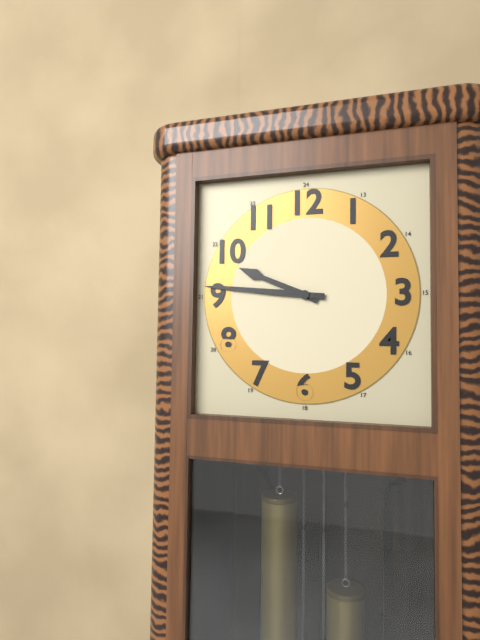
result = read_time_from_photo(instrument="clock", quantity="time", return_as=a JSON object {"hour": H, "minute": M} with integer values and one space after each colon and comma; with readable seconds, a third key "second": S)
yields {"hour": 9, "minute": 46}
